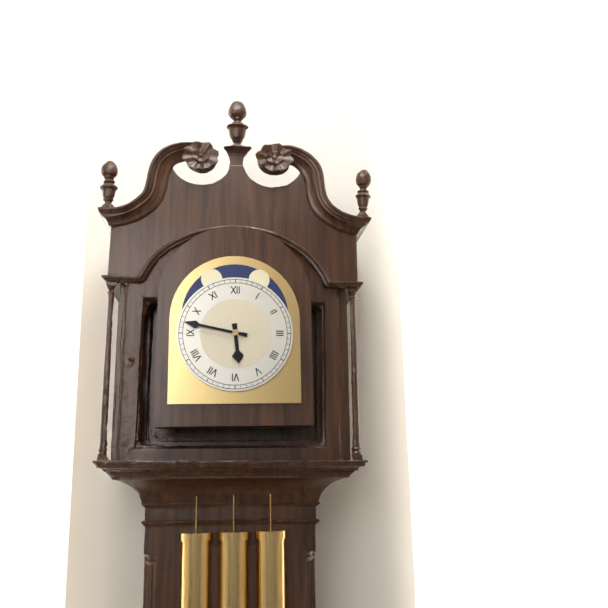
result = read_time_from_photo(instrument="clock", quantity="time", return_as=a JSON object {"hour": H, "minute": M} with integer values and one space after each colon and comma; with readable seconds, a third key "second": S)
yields {"hour": 5, "minute": 47}
